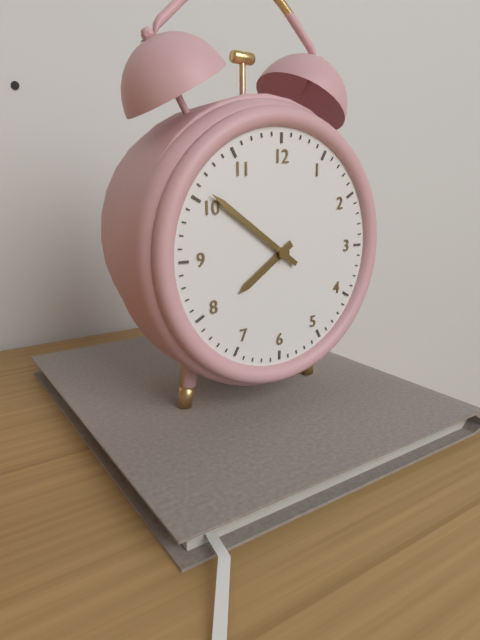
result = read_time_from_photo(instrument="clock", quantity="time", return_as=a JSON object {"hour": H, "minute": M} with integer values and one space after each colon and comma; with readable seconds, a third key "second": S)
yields {"hour": 7, "minute": 51}
